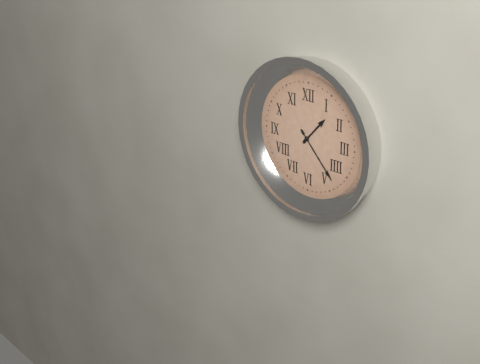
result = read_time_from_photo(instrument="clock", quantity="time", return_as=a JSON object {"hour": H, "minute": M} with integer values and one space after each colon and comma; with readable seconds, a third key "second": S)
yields {"hour": 1, "minute": 23}
